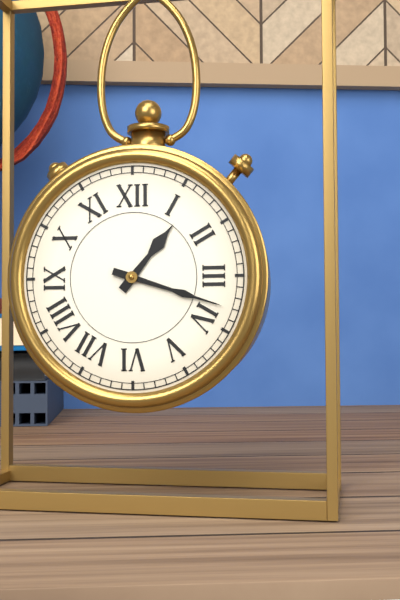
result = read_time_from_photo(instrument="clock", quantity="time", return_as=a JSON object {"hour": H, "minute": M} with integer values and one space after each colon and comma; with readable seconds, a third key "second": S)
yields {"hour": 1, "minute": 18}
